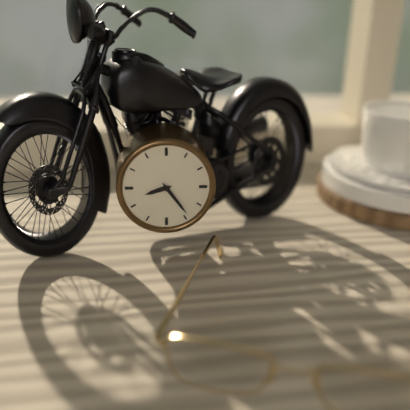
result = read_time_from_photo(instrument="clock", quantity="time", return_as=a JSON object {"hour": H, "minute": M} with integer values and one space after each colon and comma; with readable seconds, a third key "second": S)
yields {"hour": 8, "minute": 24}
